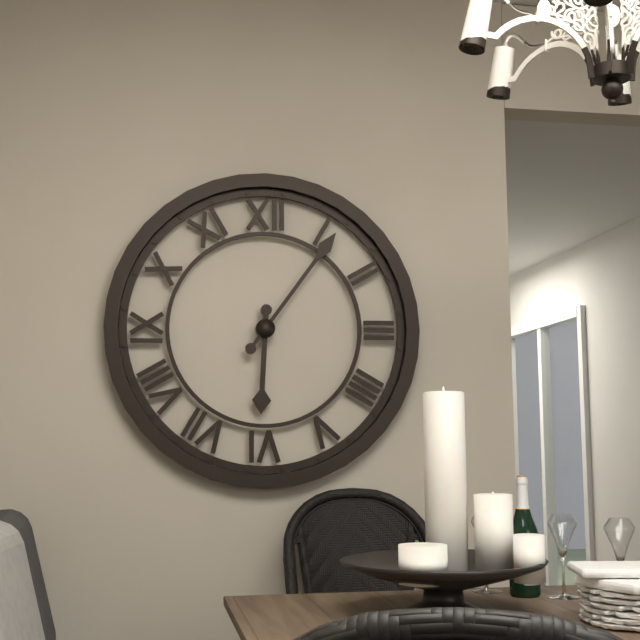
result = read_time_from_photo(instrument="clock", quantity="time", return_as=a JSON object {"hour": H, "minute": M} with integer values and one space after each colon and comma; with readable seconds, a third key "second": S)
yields {"hour": 6, "minute": 6}
